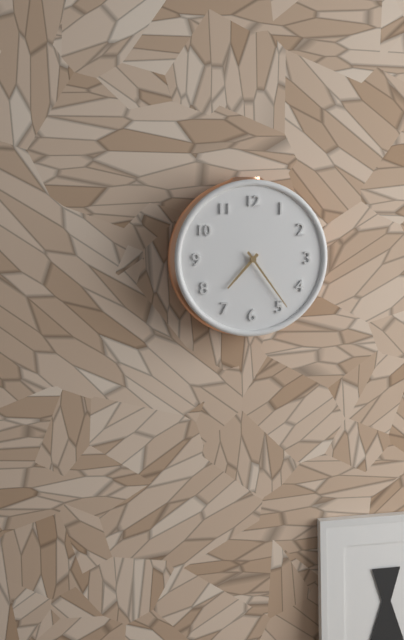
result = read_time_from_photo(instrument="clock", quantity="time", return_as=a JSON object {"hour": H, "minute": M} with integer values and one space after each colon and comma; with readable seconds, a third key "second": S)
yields {"hour": 7, "minute": 24}
